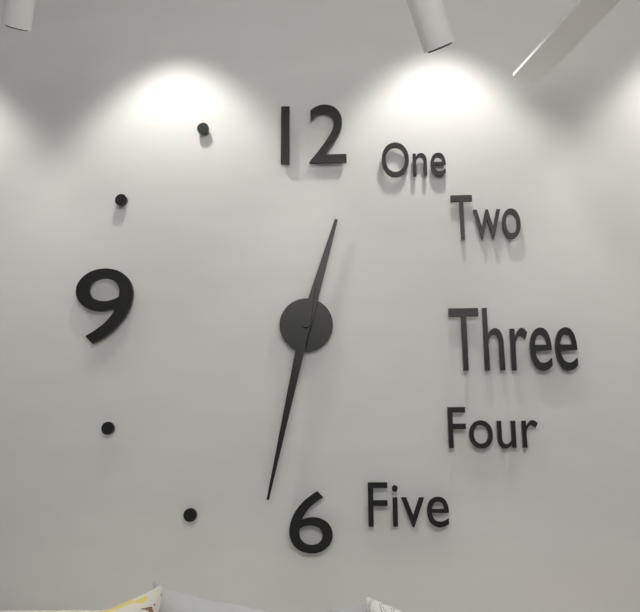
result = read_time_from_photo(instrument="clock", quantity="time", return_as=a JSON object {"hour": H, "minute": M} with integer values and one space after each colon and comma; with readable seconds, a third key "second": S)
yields {"hour": 12, "minute": 32}
